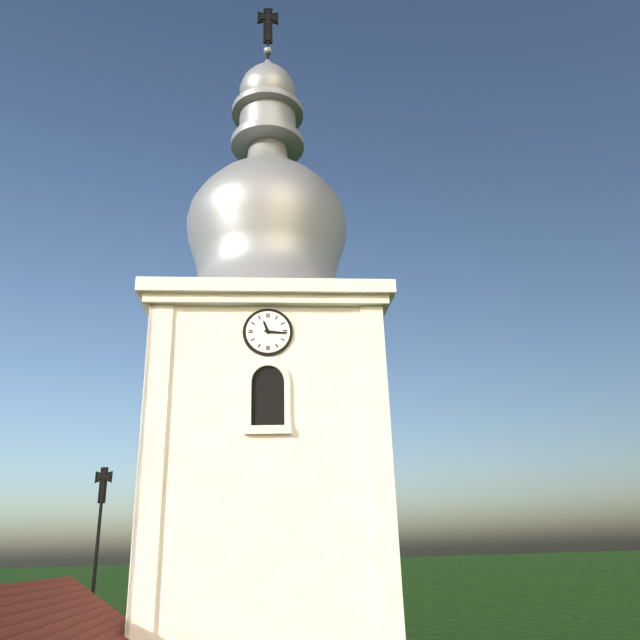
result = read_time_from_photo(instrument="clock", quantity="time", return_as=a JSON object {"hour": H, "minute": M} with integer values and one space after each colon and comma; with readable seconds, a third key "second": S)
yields {"hour": 11, "minute": 16}
